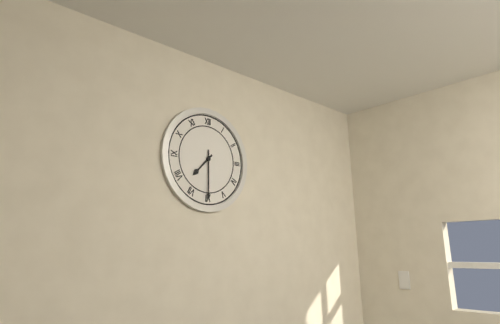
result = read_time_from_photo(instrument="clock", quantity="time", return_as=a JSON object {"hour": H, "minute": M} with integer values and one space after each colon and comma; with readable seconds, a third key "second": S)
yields {"hour": 7, "minute": 30}
